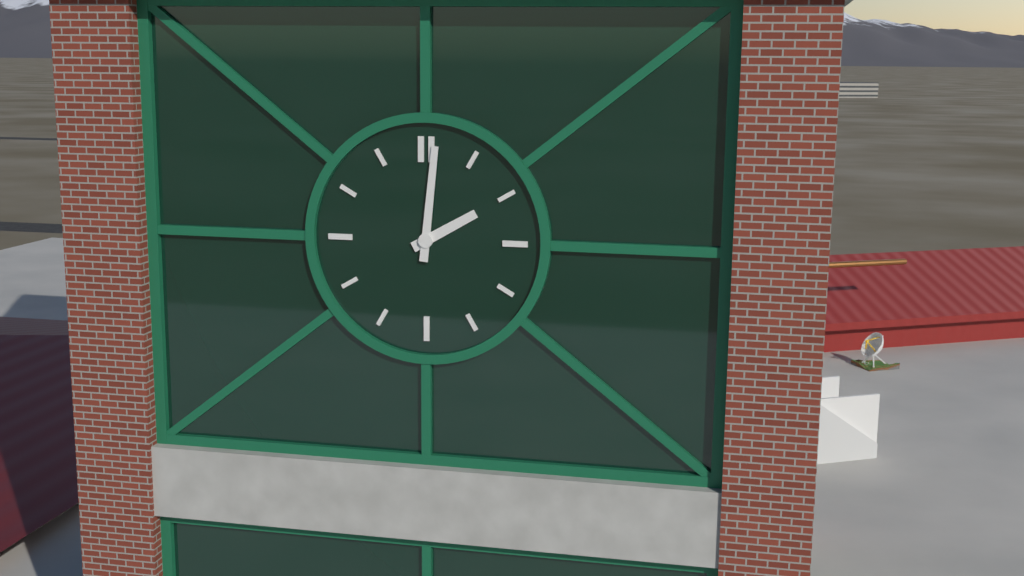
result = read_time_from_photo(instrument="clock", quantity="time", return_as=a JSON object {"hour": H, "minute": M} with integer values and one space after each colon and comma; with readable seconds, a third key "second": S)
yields {"hour": 2, "minute": 1}
